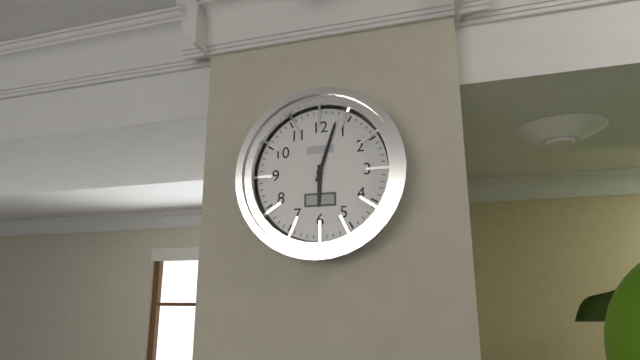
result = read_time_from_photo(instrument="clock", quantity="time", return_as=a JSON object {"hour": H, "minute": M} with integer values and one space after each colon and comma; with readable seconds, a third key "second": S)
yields {"hour": 6, "minute": 3}
